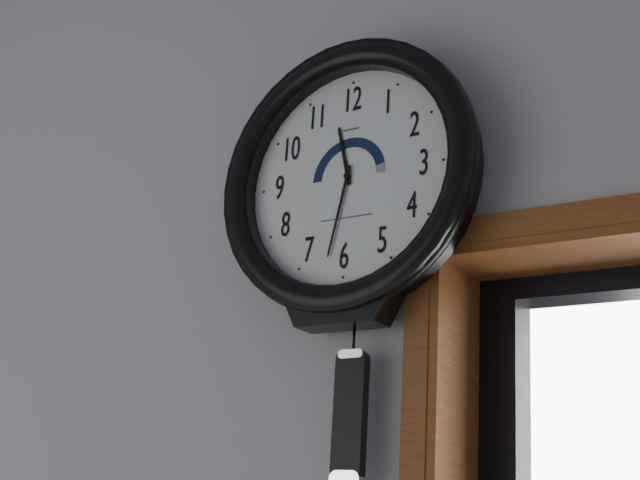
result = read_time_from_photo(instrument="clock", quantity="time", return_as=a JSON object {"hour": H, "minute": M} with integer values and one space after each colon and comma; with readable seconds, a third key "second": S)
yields {"hour": 11, "minute": 32}
